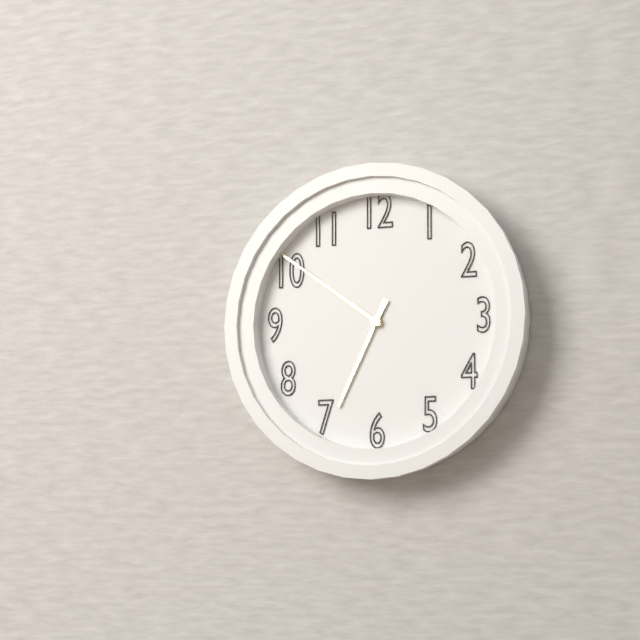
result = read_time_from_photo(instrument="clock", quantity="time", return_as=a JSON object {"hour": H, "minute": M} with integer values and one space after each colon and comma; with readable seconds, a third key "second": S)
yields {"hour": 6, "minute": 51}
